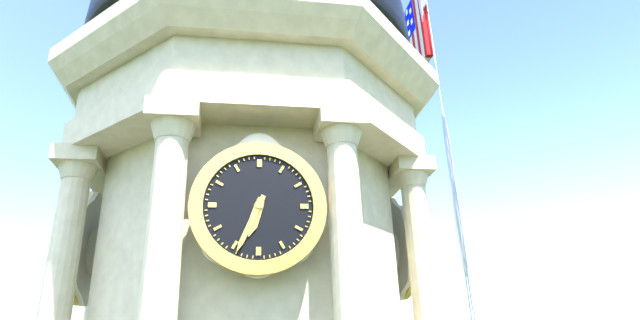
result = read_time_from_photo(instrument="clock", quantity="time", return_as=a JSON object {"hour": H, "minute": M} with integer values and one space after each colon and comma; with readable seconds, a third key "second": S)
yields {"hour": 6, "minute": 34}
